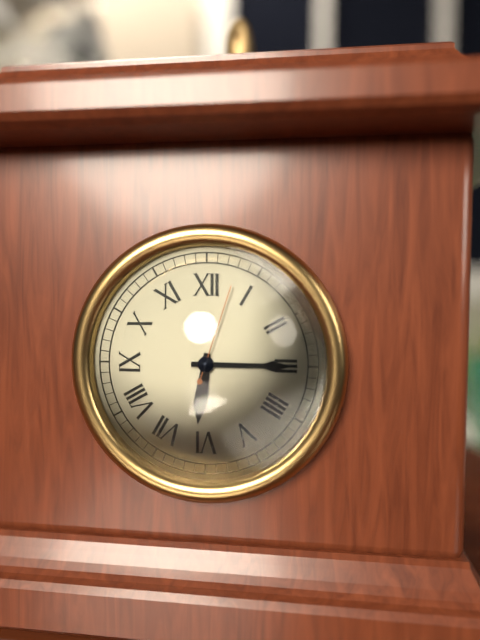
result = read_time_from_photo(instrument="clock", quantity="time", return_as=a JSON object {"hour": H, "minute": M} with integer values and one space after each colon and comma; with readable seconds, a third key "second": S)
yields {"hour": 6, "minute": 15, "second": 3}
